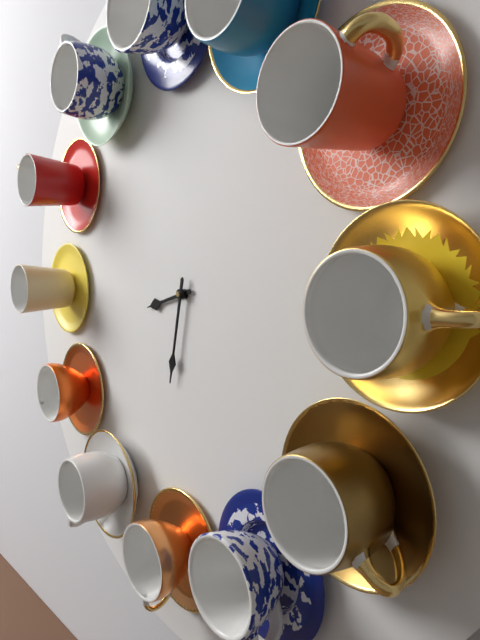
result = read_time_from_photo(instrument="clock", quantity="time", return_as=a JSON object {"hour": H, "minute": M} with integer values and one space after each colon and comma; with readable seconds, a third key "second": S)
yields {"hour": 8, "minute": 32}
